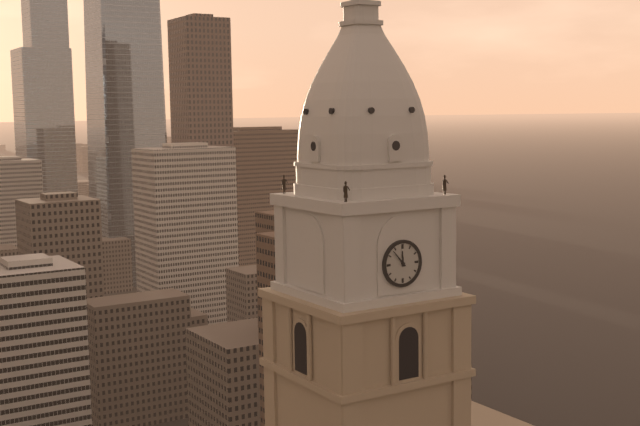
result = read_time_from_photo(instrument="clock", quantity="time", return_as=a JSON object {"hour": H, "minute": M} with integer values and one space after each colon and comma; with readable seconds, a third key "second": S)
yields {"hour": 11, "minute": 53}
